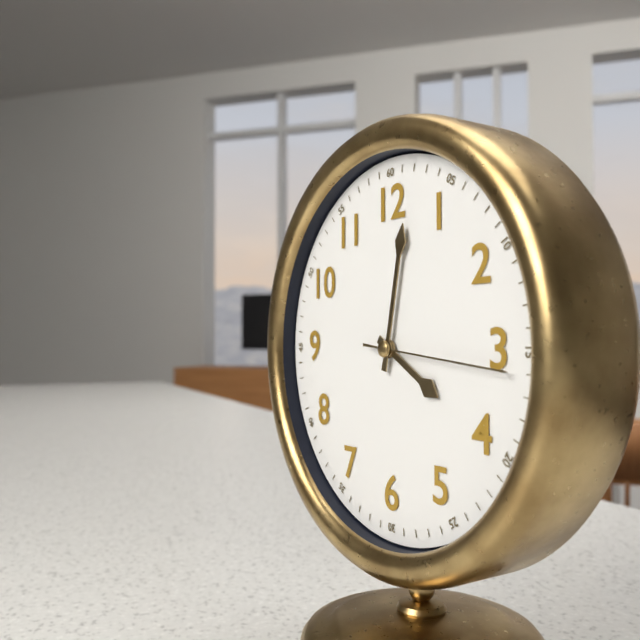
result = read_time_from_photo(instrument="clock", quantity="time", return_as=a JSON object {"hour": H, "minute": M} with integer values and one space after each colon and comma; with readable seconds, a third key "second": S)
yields {"hour": 4, "minute": 2, "second": 16}
